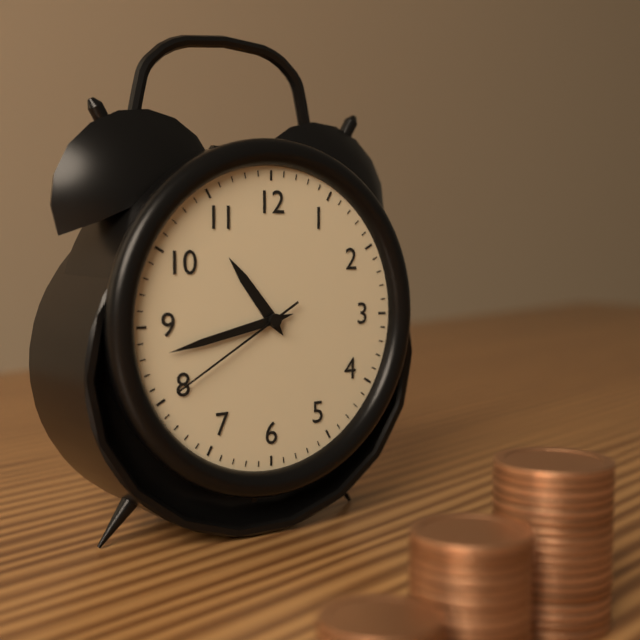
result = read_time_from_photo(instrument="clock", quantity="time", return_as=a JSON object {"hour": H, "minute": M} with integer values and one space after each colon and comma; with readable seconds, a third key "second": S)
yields {"hour": 10, "minute": 43, "second": 40}
